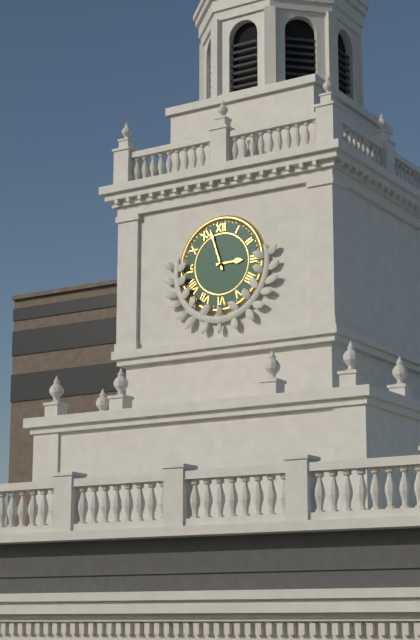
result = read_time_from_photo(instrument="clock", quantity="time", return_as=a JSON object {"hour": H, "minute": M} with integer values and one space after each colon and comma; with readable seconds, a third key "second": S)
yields {"hour": 2, "minute": 57}
